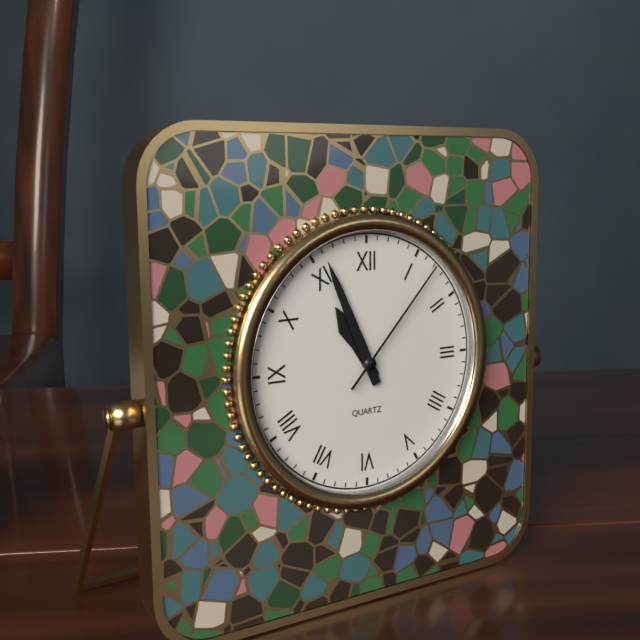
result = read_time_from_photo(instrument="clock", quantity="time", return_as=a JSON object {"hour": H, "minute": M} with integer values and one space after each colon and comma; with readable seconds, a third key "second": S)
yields {"hour": 10, "minute": 56, "second": 7}
